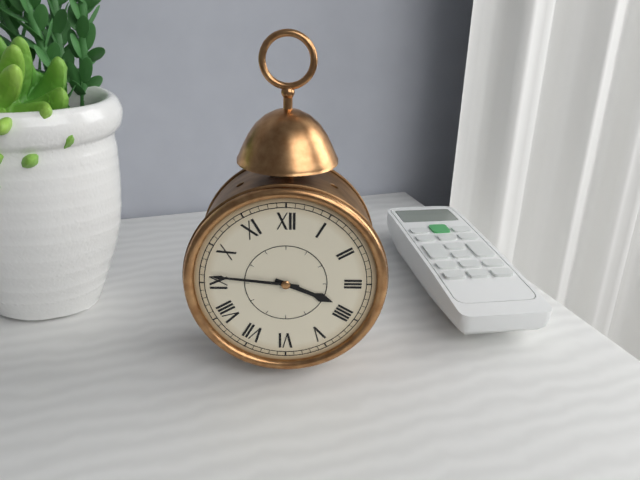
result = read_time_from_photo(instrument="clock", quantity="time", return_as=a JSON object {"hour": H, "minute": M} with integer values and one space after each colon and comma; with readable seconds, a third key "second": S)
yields {"hour": 3, "minute": 46}
